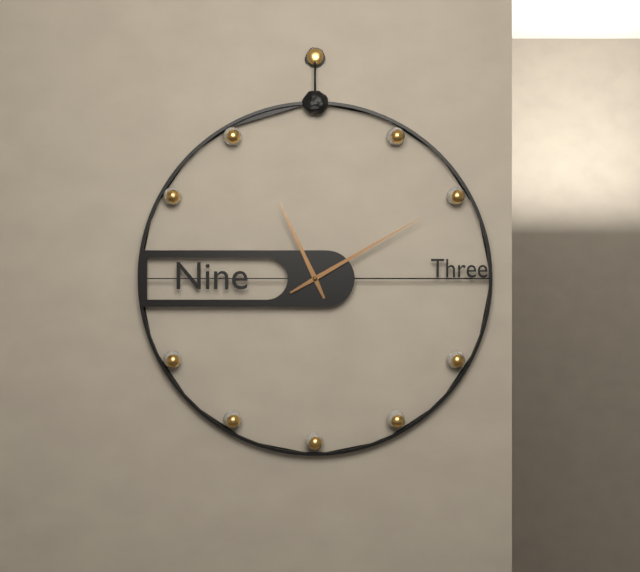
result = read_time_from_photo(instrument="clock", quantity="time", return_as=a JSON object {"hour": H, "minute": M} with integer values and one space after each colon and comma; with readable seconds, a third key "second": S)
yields {"hour": 11, "minute": 10}
